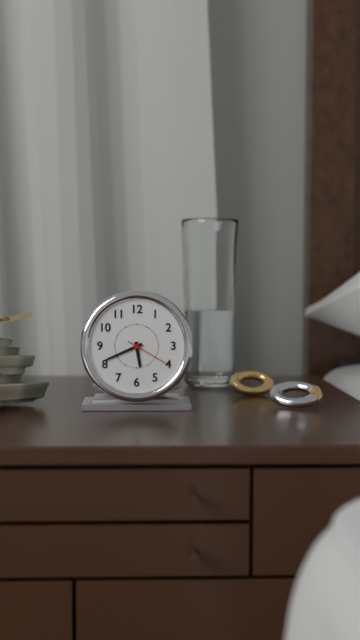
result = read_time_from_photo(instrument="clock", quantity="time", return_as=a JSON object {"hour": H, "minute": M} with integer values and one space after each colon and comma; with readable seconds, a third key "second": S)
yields {"hour": 5, "minute": 41}
